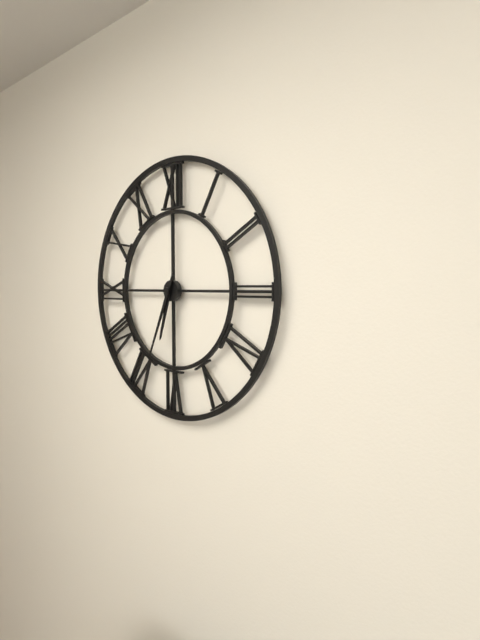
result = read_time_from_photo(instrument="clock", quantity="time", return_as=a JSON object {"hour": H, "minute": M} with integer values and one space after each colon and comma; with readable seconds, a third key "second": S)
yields {"hour": 6, "minute": 34}
